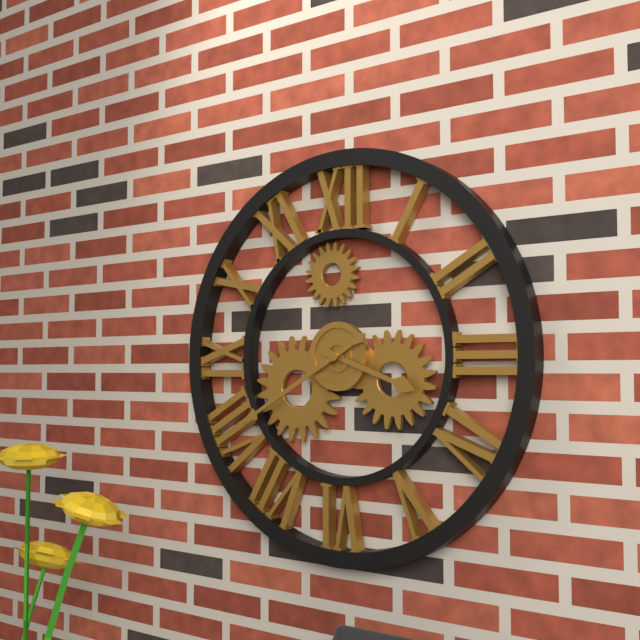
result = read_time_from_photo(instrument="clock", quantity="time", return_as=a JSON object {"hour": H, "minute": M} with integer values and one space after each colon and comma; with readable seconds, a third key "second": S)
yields {"hour": 3, "minute": 40}
